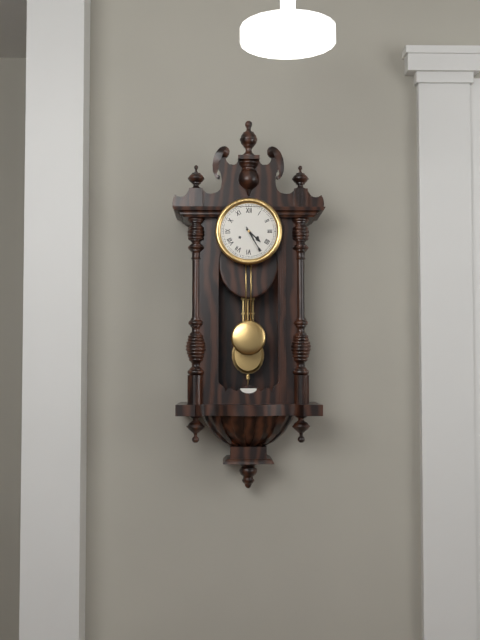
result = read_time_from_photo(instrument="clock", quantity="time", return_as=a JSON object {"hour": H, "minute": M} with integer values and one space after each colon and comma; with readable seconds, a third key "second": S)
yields {"hour": 4, "minute": 25}
